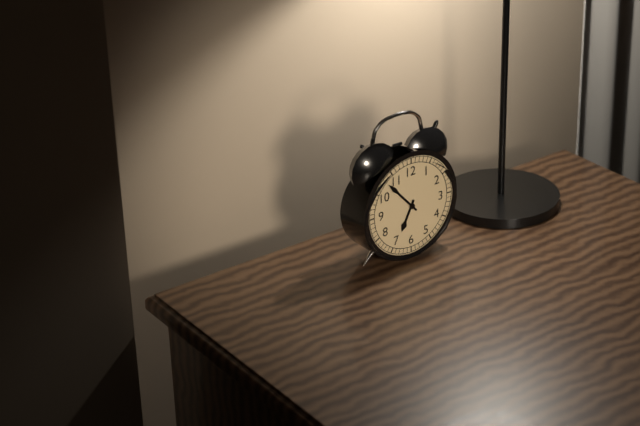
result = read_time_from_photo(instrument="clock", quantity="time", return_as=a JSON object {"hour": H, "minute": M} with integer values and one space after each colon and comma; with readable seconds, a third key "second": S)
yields {"hour": 6, "minute": 53}
